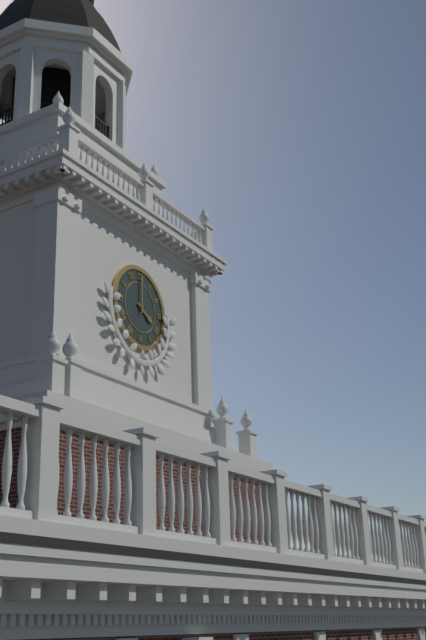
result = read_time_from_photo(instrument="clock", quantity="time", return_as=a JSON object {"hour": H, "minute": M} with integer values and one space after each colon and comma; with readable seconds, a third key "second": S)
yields {"hour": 4, "minute": 0}
